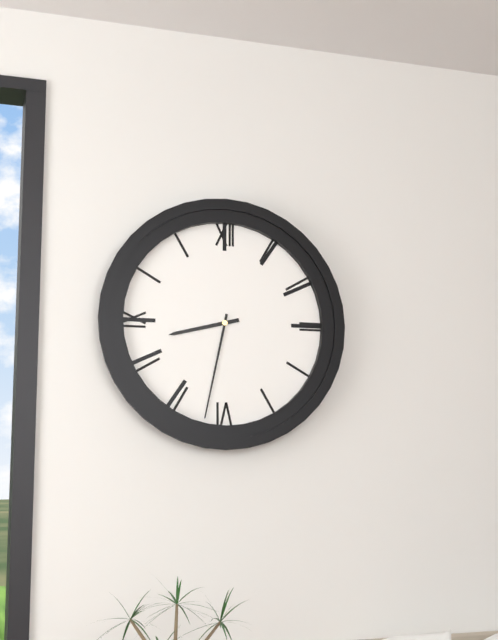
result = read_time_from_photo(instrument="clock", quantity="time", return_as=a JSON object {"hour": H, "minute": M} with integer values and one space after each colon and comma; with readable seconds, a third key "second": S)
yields {"hour": 8, "minute": 32}
